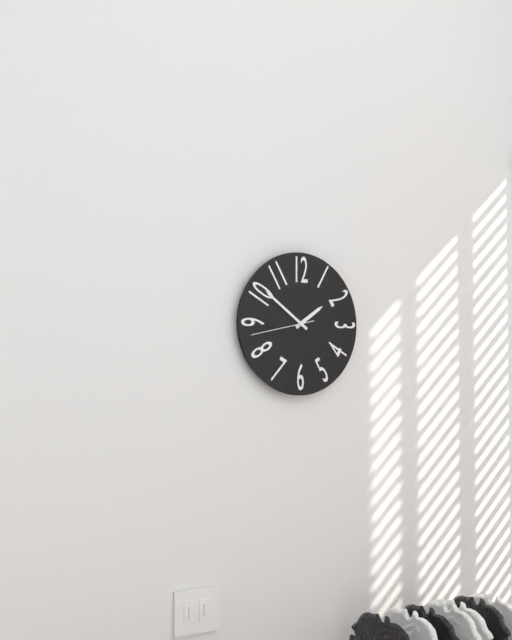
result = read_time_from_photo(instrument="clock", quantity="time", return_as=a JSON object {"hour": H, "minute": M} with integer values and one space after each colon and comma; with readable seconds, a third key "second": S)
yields {"hour": 1, "minute": 51, "second": 43}
